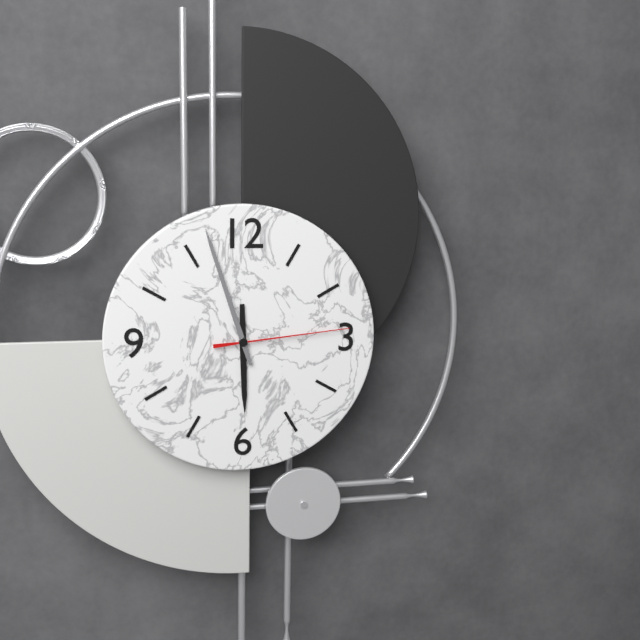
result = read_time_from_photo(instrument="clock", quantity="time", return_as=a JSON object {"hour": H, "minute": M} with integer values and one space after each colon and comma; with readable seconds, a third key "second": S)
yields {"hour": 5, "minute": 57, "second": 14}
